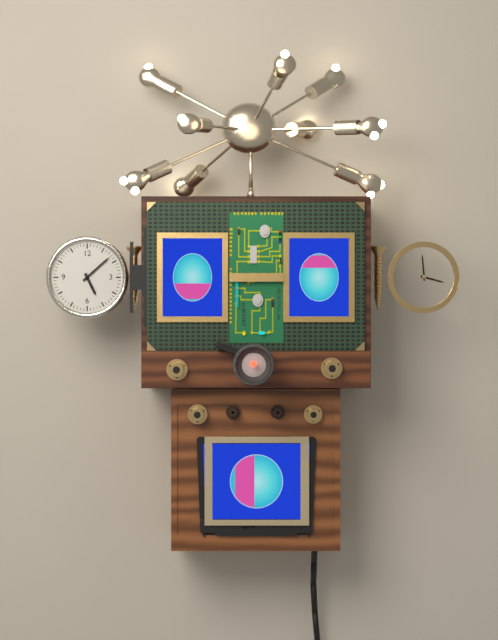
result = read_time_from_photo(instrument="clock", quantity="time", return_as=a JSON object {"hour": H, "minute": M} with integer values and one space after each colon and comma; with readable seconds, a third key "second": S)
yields {"hour": 5, "minute": 8}
